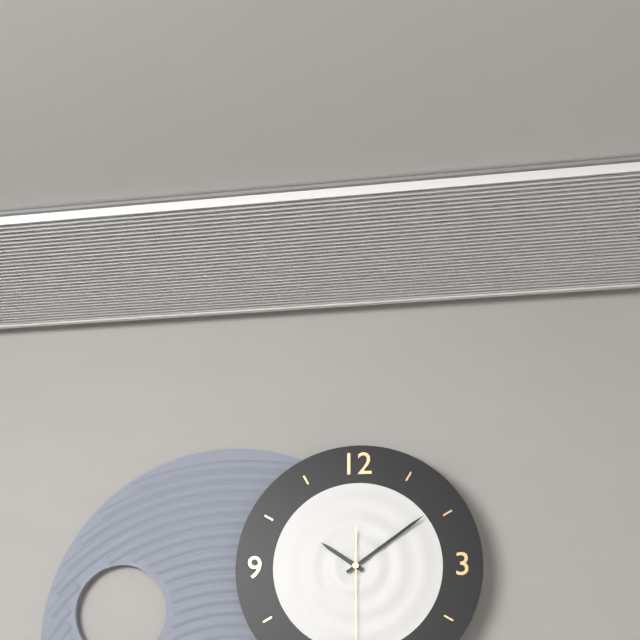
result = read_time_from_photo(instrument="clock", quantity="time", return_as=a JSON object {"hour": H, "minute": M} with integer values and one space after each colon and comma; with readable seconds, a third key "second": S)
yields {"hour": 10, "minute": 9}
